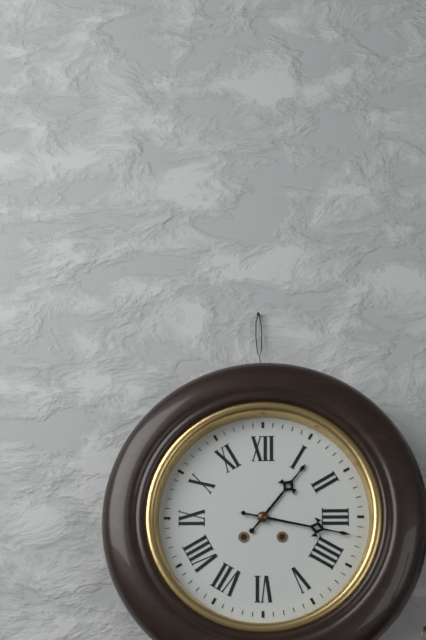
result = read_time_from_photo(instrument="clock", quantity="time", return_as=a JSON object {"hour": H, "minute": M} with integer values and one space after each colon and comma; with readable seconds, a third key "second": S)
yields {"hour": 1, "minute": 17}
